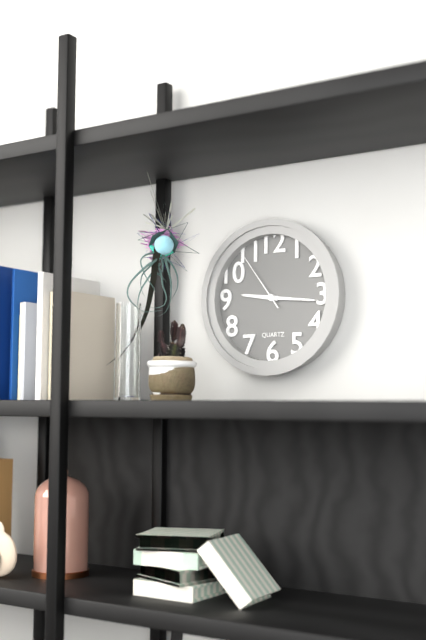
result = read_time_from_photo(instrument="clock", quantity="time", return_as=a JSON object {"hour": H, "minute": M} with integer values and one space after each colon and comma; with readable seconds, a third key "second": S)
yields {"hour": 9, "minute": 16, "second": 54}
